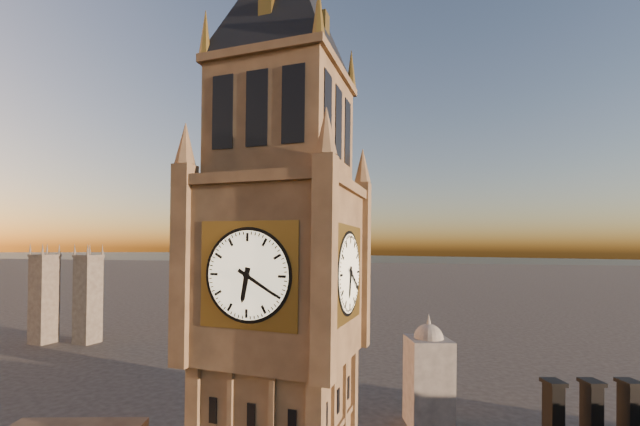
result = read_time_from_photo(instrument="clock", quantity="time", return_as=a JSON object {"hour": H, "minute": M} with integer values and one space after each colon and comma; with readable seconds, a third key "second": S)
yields {"hour": 6, "minute": 20}
